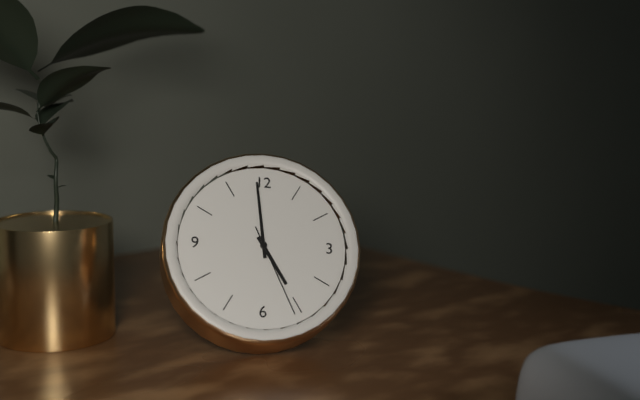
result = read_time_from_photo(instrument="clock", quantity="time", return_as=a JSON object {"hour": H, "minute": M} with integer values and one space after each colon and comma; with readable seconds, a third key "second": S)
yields {"hour": 4, "minute": 59, "second": 26}
